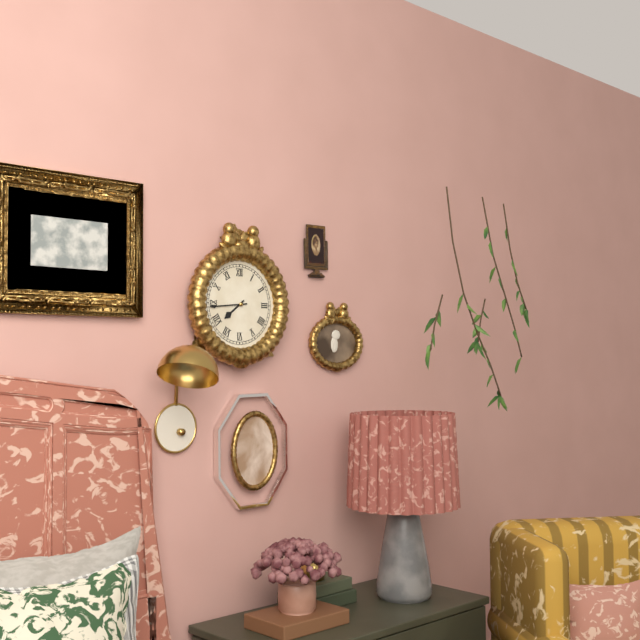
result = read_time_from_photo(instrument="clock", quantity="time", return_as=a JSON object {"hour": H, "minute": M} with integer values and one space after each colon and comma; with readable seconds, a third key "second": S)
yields {"hour": 7, "minute": 44}
